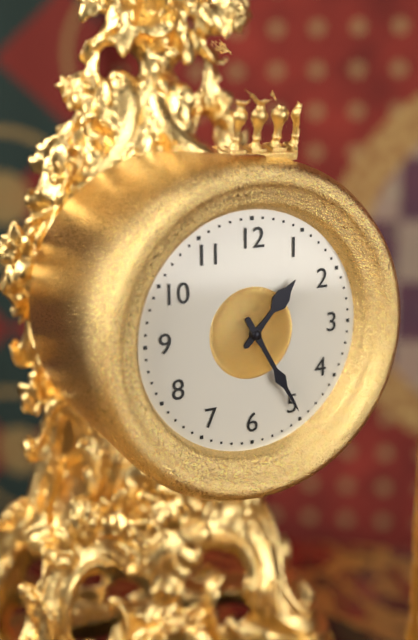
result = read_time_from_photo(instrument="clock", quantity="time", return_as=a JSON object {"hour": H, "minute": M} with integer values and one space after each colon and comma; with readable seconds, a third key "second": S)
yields {"hour": 1, "minute": 25}
